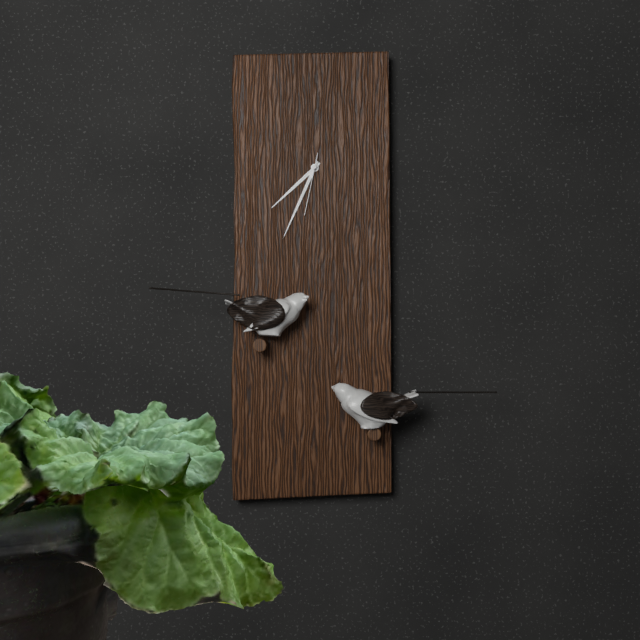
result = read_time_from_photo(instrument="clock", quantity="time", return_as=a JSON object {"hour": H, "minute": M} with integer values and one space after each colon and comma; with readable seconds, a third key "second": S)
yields {"hour": 7, "minute": 34, "second": 32}
